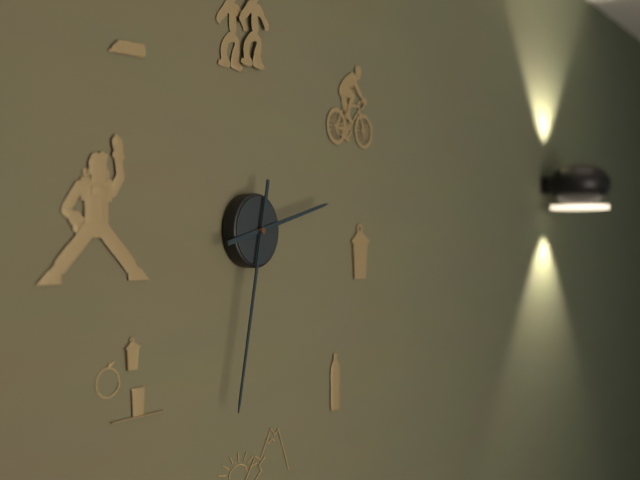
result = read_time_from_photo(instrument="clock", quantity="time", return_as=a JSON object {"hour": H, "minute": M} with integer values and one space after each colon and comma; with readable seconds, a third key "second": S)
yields {"hour": 2, "minute": 32}
